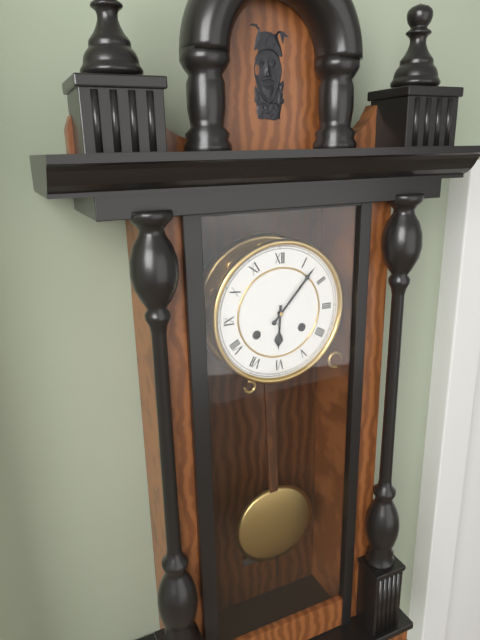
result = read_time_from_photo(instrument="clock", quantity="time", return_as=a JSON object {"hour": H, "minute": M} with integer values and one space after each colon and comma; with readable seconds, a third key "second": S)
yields {"hour": 6, "minute": 7}
